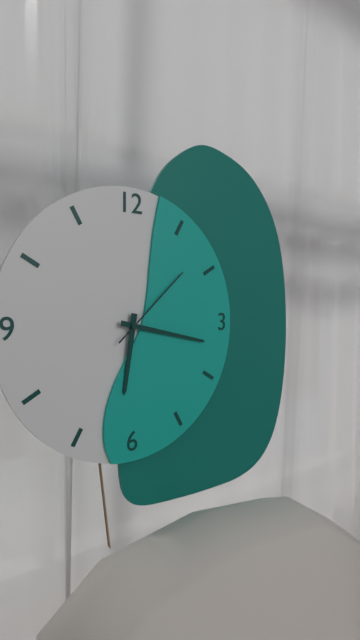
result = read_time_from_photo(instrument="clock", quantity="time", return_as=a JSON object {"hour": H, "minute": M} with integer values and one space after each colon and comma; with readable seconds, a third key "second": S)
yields {"hour": 6, "minute": 17, "second": 8}
